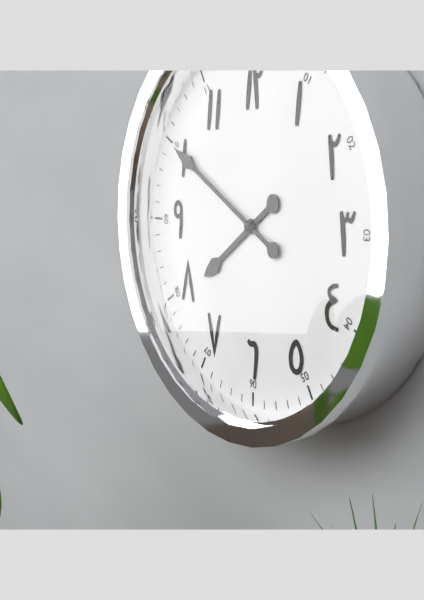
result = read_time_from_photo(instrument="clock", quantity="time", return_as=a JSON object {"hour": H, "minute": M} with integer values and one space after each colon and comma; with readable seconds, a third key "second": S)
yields {"hour": 7, "minute": 50}
